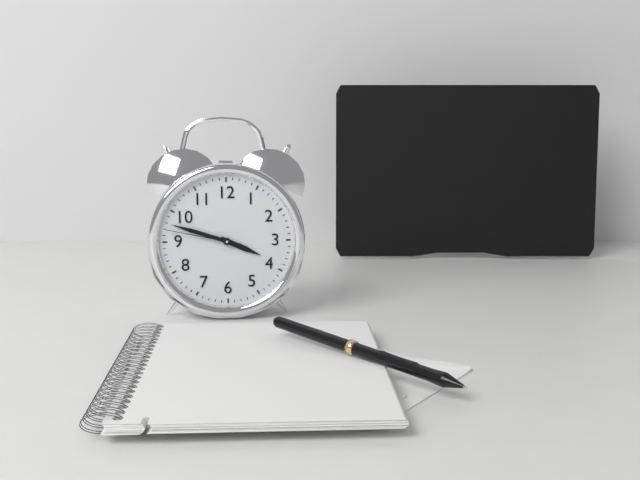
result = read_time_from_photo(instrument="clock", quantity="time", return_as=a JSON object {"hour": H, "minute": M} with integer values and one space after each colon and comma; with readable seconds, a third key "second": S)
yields {"hour": 3, "minute": 48, "second": 47}
